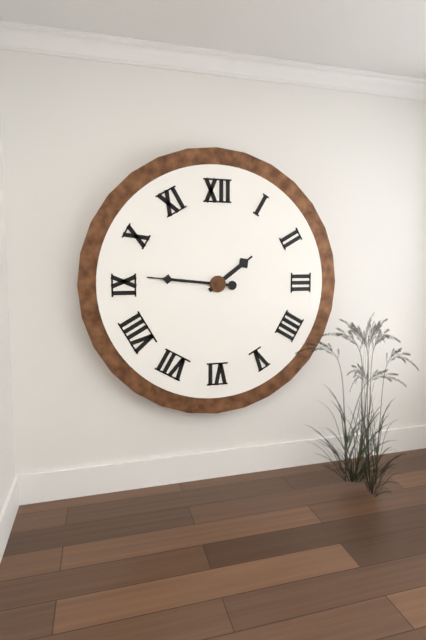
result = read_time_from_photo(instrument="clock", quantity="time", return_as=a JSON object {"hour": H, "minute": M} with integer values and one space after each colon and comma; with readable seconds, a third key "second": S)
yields {"hour": 1, "minute": 46}
